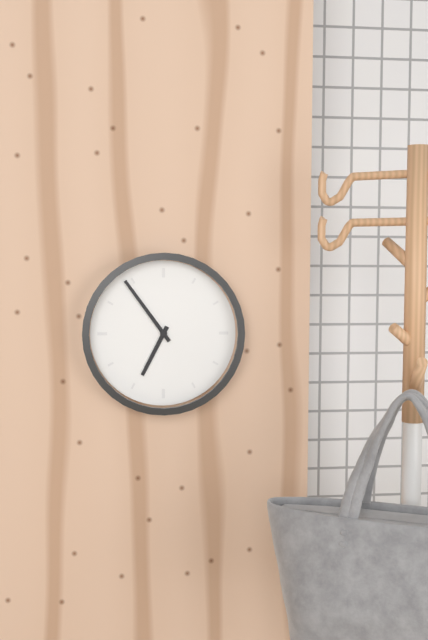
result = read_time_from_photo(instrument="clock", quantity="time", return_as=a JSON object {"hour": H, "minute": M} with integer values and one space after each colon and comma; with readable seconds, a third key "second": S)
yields {"hour": 6, "minute": 54}
